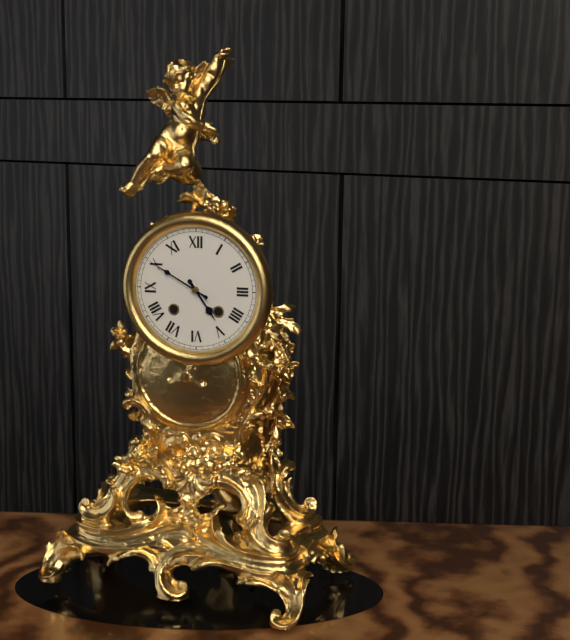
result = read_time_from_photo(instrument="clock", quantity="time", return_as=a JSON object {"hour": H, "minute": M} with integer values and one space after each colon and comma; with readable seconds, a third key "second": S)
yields {"hour": 4, "minute": 50}
